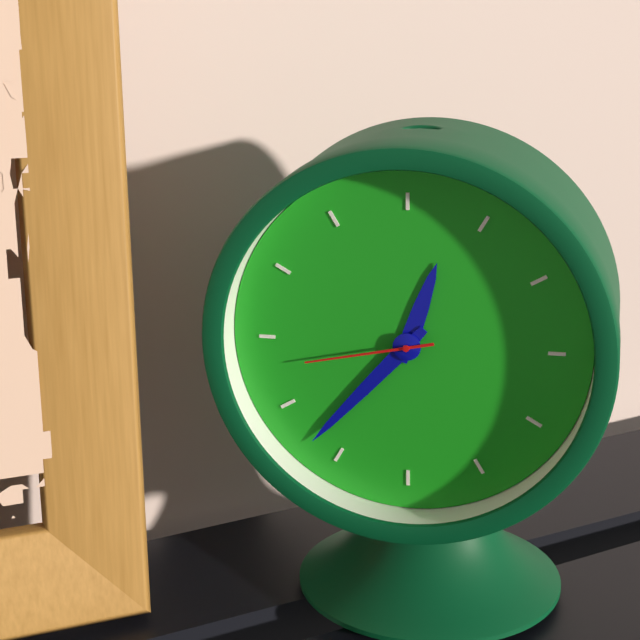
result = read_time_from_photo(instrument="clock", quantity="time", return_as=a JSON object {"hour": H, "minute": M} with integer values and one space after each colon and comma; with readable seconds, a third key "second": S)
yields {"hour": 12, "minute": 37, "second": 43}
